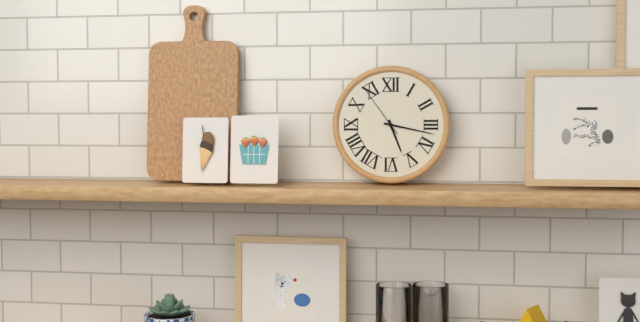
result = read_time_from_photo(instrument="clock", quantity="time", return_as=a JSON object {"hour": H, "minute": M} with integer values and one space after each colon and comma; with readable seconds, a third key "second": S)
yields {"hour": 5, "minute": 17, "second": 54}
